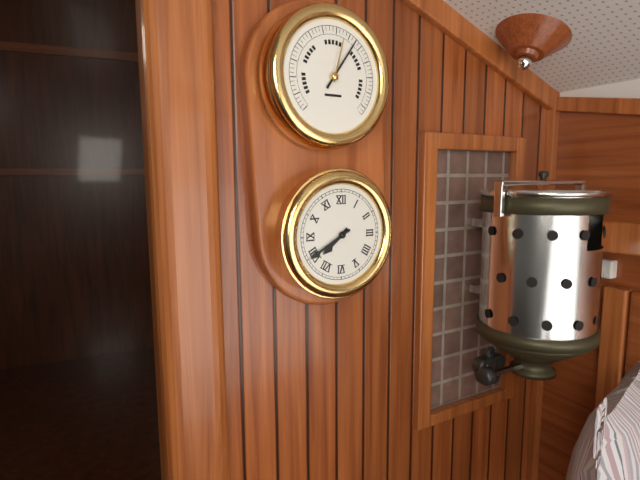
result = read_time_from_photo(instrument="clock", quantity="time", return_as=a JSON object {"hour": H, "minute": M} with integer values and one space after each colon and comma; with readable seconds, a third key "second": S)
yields {"hour": 7, "minute": 40}
